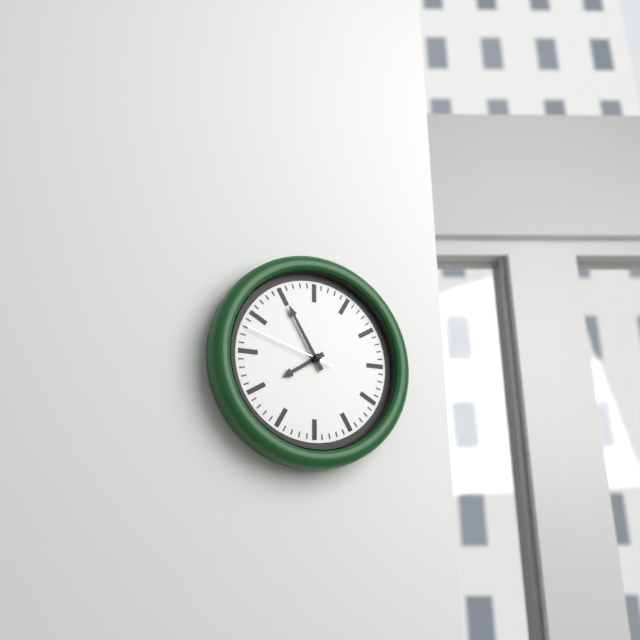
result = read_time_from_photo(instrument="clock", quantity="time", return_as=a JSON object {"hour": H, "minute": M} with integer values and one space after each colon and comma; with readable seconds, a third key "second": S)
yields {"hour": 7, "minute": 55, "second": 48}
